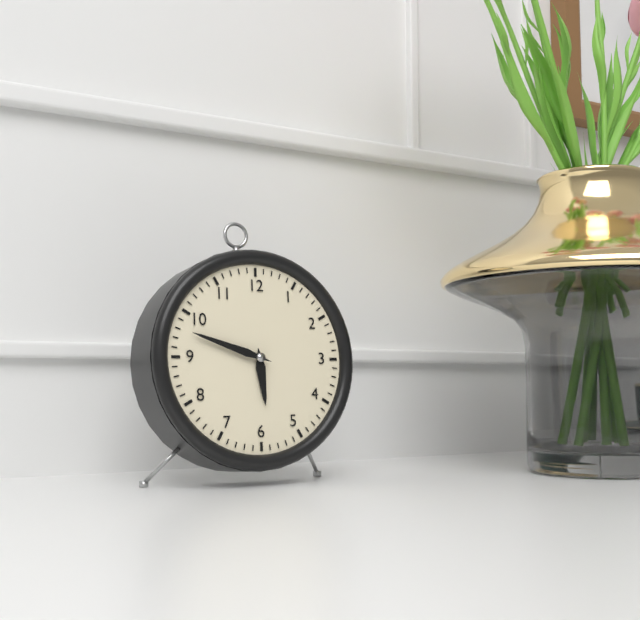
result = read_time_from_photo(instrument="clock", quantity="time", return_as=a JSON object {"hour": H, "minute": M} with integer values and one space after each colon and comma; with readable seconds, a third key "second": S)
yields {"hour": 5, "minute": 48}
